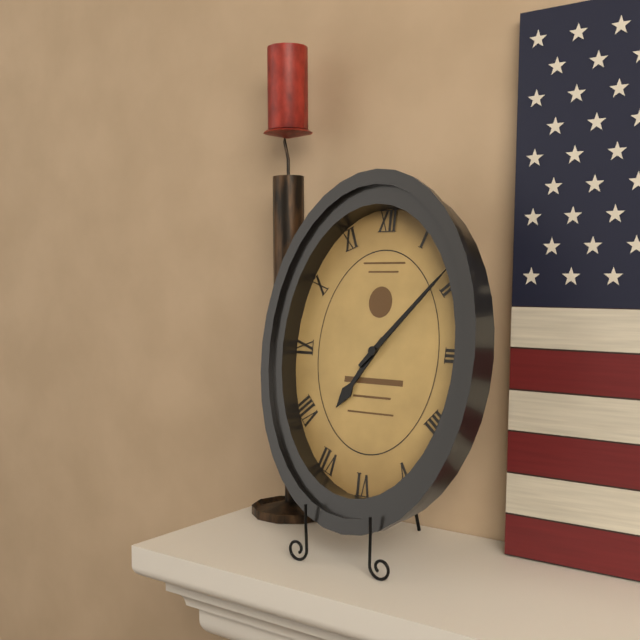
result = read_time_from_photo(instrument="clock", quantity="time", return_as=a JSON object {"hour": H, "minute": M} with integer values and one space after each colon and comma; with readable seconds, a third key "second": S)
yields {"hour": 7, "minute": 7}
